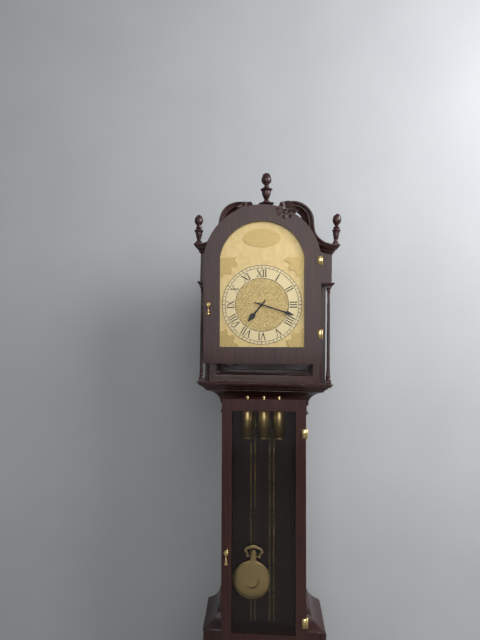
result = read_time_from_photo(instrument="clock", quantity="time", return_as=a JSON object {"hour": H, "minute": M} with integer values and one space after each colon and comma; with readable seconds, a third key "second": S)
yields {"hour": 7, "minute": 18}
